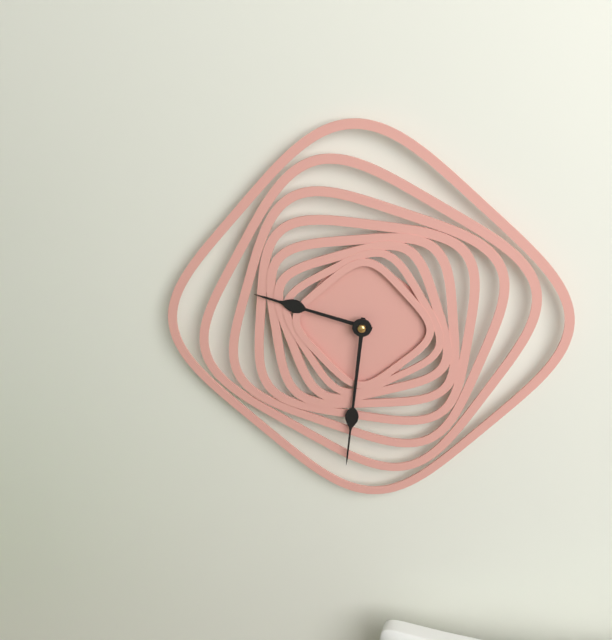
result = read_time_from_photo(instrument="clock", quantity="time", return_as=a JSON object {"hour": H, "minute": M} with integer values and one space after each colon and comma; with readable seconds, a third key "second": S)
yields {"hour": 9, "minute": 31}
